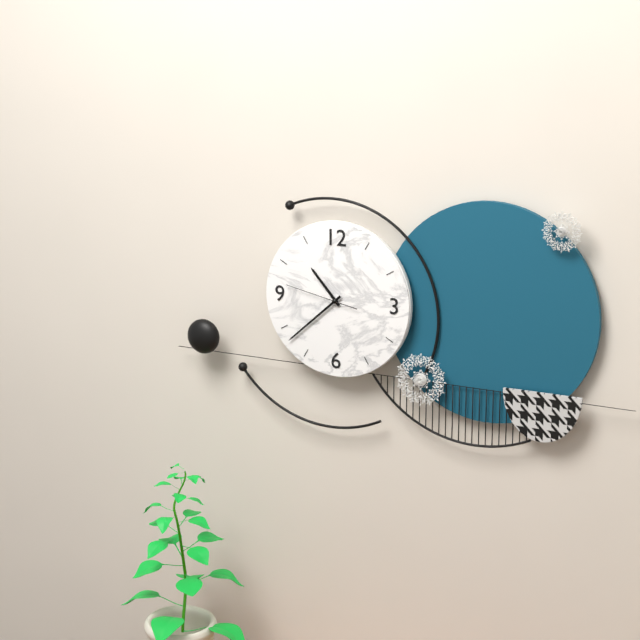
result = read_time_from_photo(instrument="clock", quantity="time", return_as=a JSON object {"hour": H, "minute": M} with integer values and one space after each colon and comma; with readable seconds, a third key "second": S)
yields {"hour": 10, "minute": 38, "second": 47}
